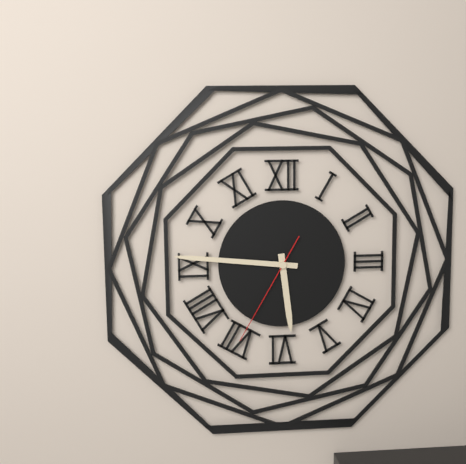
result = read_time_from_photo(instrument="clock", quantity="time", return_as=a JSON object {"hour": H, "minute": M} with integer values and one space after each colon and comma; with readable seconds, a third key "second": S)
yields {"hour": 5, "minute": 46, "second": 35}
